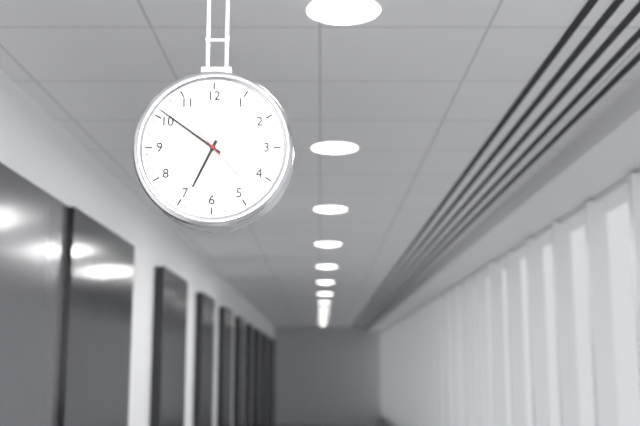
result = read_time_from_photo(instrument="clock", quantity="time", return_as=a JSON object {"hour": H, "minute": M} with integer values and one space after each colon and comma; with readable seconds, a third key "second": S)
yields {"hour": 6, "minute": 51, "second": 23}
